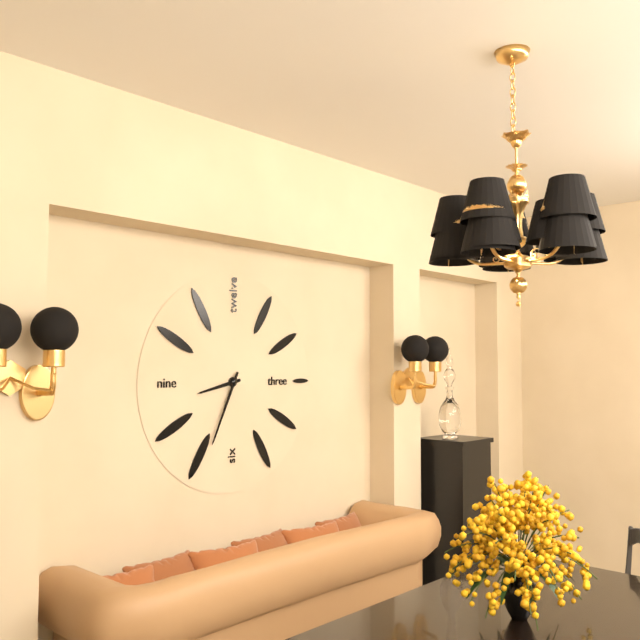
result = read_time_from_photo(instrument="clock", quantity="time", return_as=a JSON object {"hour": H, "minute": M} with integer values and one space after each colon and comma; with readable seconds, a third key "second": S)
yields {"hour": 8, "minute": 34}
